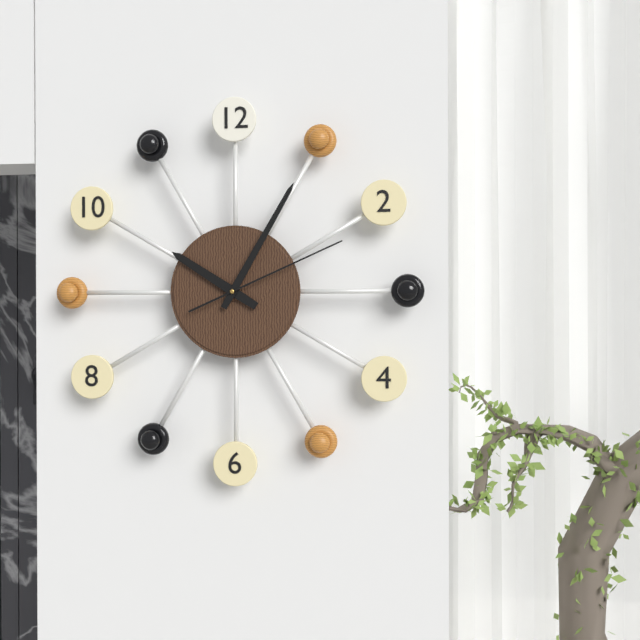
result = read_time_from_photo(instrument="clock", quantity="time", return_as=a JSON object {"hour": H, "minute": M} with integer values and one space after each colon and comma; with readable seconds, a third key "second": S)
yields {"hour": 10, "minute": 5, "second": 11}
